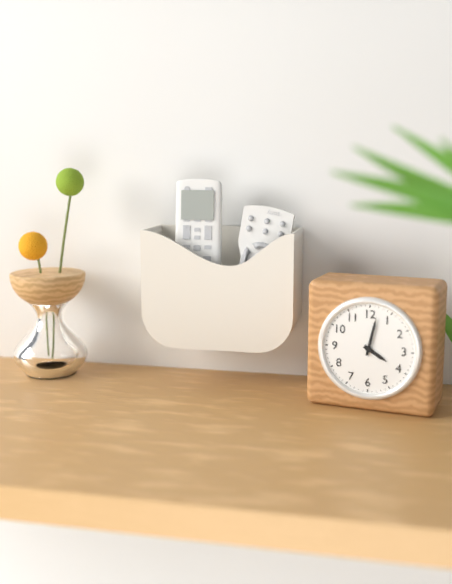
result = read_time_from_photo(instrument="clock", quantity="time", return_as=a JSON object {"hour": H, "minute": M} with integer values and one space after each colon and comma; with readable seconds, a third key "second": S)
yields {"hour": 4, "minute": 2}
